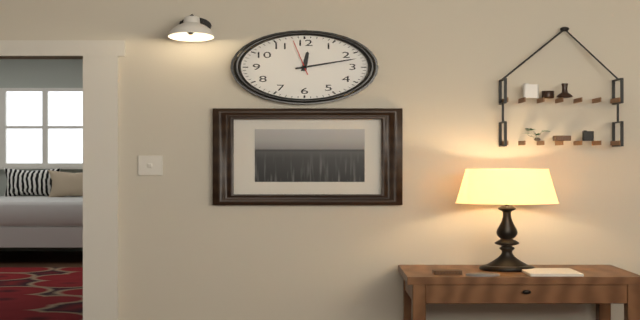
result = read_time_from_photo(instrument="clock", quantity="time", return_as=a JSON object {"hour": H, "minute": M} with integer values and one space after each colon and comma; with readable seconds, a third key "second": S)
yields {"hour": 12, "minute": 12}
